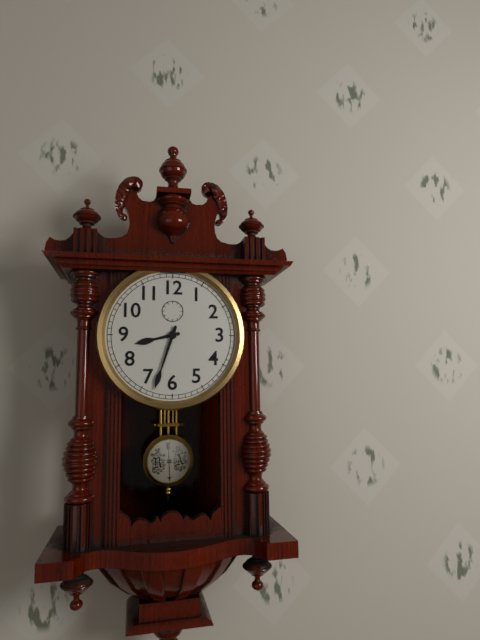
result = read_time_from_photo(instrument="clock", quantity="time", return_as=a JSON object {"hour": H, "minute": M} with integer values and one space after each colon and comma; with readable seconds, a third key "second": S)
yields {"hour": 8, "minute": 33}
